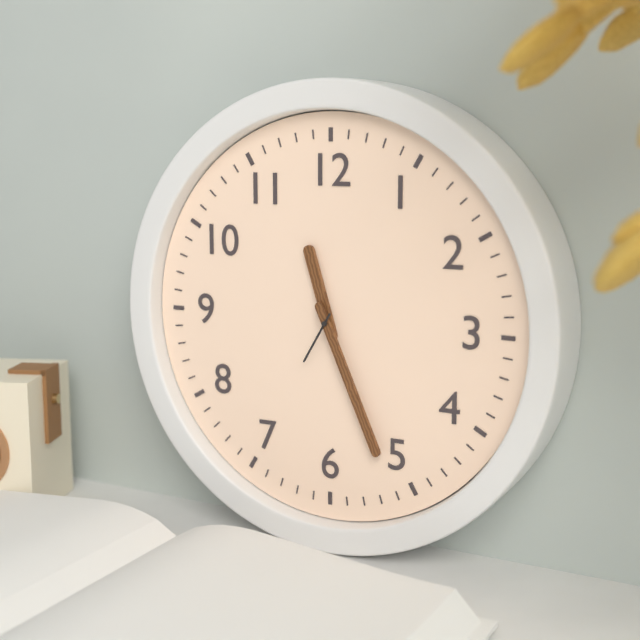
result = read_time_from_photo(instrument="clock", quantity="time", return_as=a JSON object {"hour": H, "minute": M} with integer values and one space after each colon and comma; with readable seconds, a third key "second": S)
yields {"hour": 11, "minute": 26, "second": 35}
